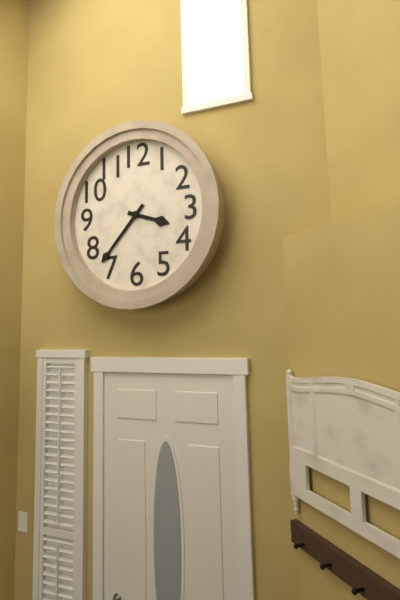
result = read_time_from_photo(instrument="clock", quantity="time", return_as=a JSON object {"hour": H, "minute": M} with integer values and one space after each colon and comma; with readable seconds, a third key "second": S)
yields {"hour": 3, "minute": 37}
